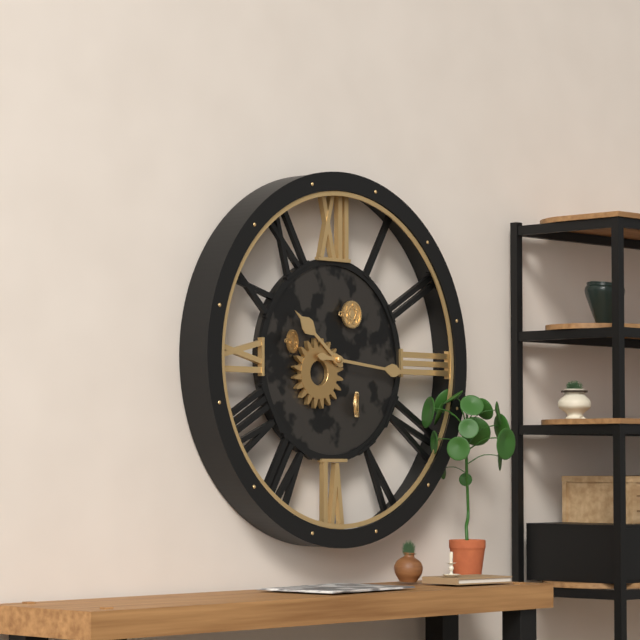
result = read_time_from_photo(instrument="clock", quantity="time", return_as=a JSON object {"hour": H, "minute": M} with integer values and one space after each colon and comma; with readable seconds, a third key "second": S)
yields {"hour": 10, "minute": 16}
